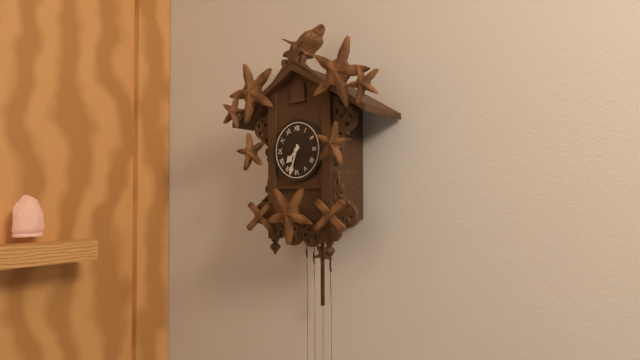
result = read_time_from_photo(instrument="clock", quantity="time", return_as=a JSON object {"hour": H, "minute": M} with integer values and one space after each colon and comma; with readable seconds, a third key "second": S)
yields {"hour": 7, "minute": 33}
